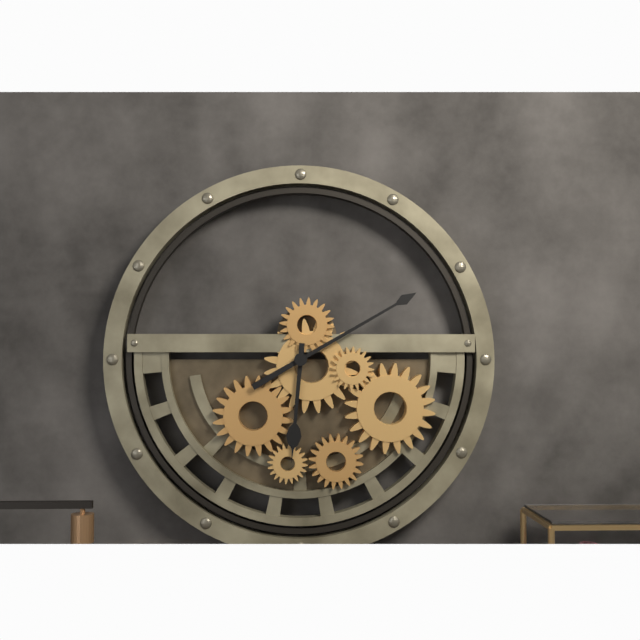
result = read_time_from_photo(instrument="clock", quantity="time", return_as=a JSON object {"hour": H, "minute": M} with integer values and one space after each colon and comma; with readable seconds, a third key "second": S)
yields {"hour": 6, "minute": 10}
